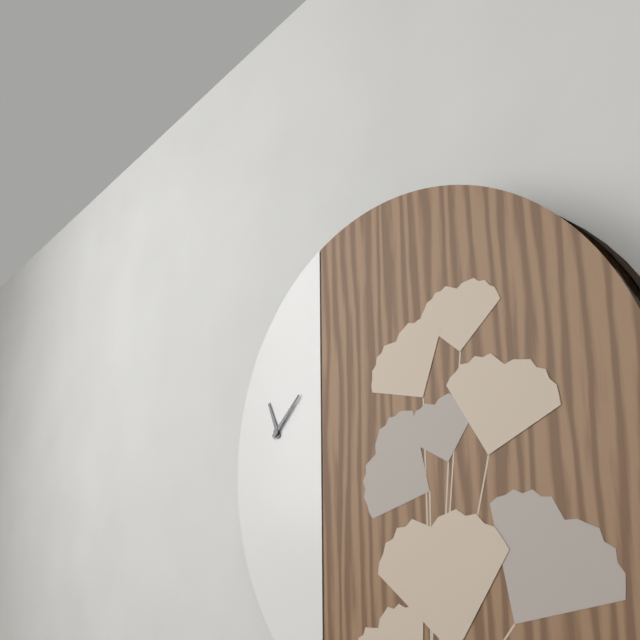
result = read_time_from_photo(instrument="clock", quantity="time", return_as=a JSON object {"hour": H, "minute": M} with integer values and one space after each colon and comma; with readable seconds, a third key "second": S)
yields {"hour": 11, "minute": 8}
